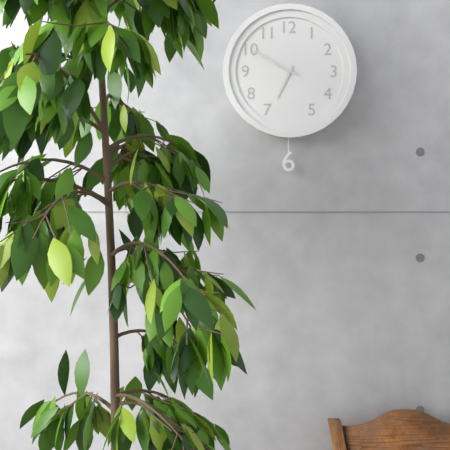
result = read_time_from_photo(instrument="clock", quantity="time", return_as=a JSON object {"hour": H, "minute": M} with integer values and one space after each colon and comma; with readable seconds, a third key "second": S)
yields {"hour": 6, "minute": 50}
